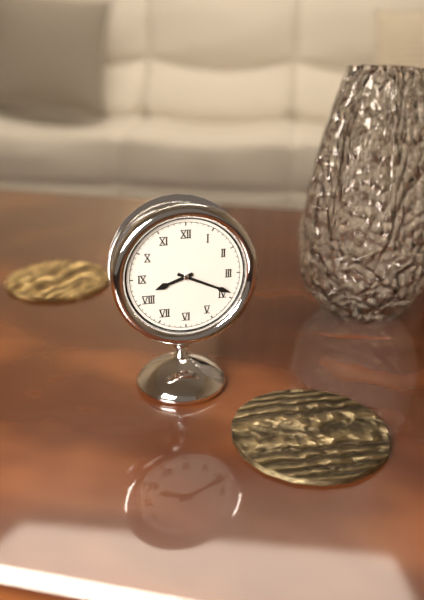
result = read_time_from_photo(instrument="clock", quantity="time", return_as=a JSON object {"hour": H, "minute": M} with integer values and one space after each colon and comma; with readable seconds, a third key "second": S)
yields {"hour": 8, "minute": 19}
